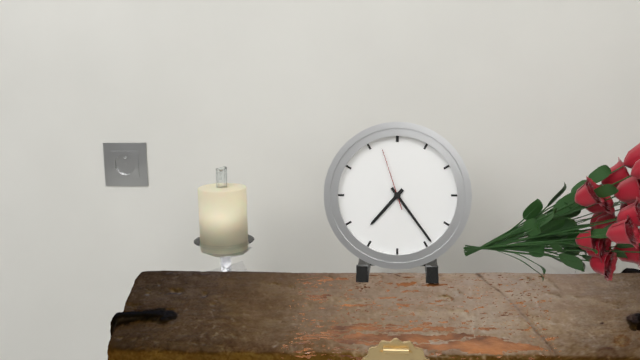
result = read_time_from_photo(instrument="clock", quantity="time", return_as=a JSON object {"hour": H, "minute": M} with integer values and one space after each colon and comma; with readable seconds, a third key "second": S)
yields {"hour": 7, "minute": 24, "second": 57}
